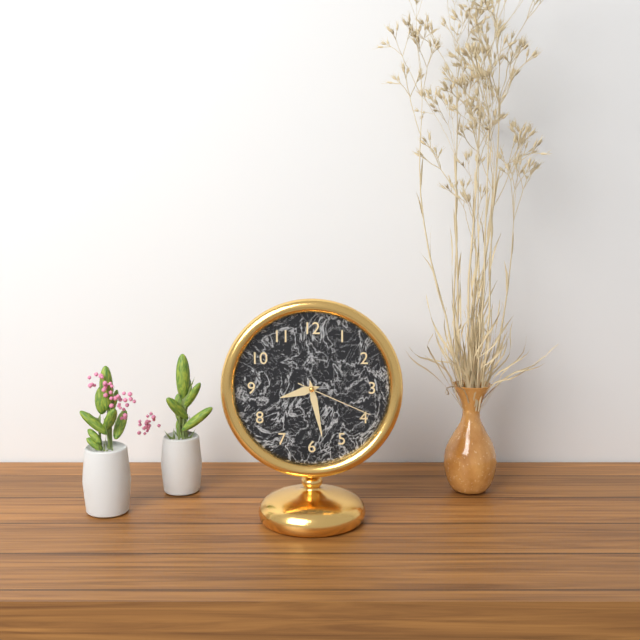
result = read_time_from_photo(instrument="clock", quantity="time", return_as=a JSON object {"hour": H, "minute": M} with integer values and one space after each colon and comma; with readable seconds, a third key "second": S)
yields {"hour": 8, "minute": 28, "second": 19}
